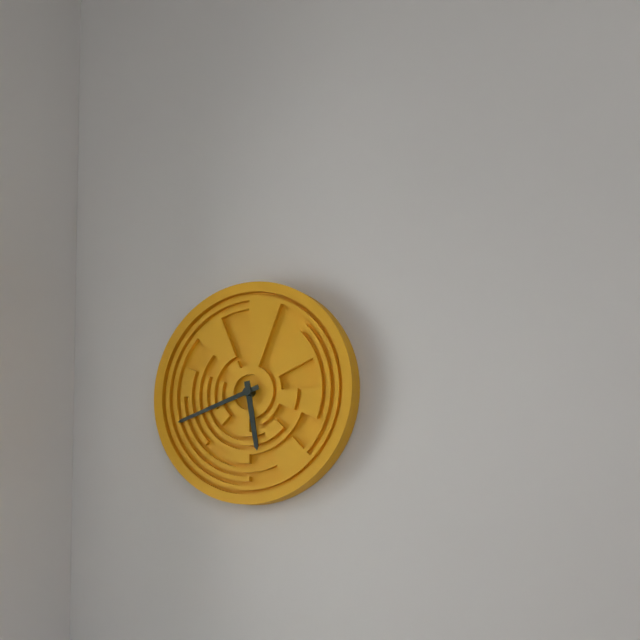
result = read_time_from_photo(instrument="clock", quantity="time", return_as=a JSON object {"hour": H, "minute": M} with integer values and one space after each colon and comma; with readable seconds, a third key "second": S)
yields {"hour": 5, "minute": 42}
